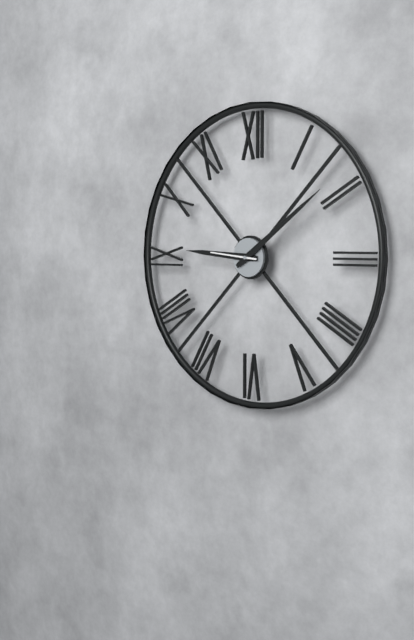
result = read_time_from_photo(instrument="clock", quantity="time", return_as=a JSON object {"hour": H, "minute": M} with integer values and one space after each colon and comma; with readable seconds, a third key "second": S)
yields {"hour": 9, "minute": 9}
